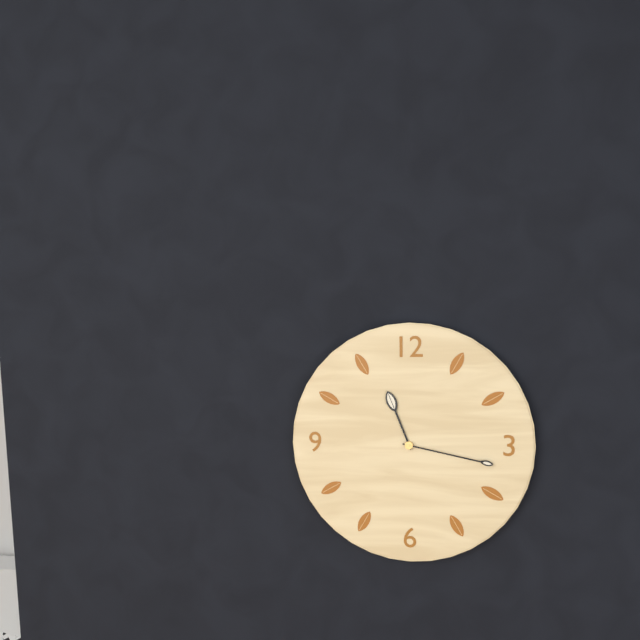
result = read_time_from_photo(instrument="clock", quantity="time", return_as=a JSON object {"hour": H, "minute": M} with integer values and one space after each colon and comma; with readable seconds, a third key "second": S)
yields {"hour": 11, "minute": 17}
